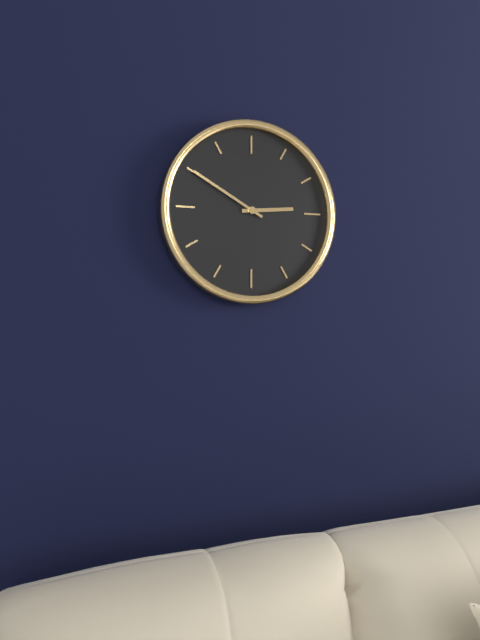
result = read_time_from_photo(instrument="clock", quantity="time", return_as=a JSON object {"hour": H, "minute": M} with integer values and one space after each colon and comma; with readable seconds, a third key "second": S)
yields {"hour": 2, "minute": 50}
